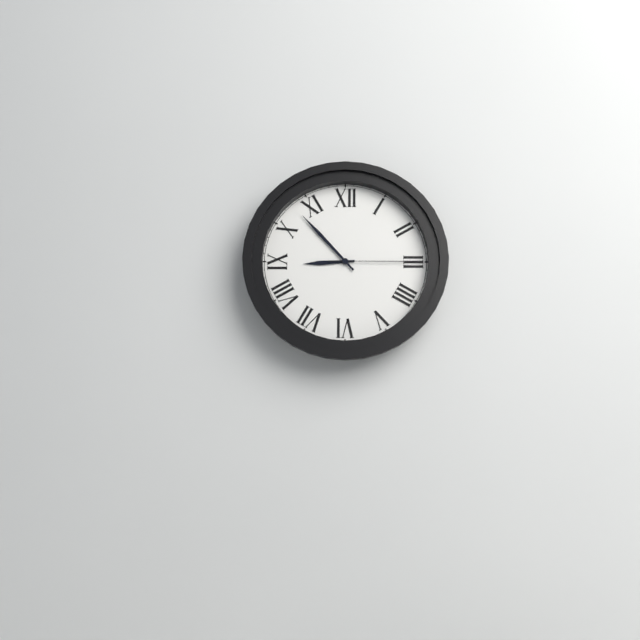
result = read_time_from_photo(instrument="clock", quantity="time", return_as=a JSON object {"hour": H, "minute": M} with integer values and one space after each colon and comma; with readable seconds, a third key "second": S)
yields {"hour": 8, "minute": 53, "second": 15}
